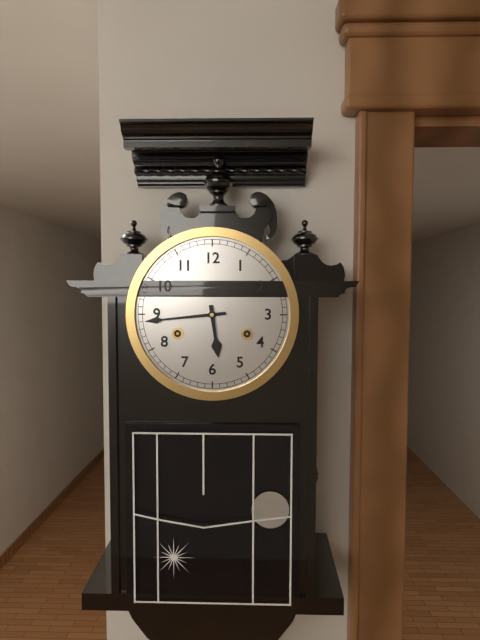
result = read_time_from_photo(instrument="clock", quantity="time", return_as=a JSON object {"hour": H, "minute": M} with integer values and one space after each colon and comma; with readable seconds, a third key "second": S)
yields {"hour": 5, "minute": 44}
